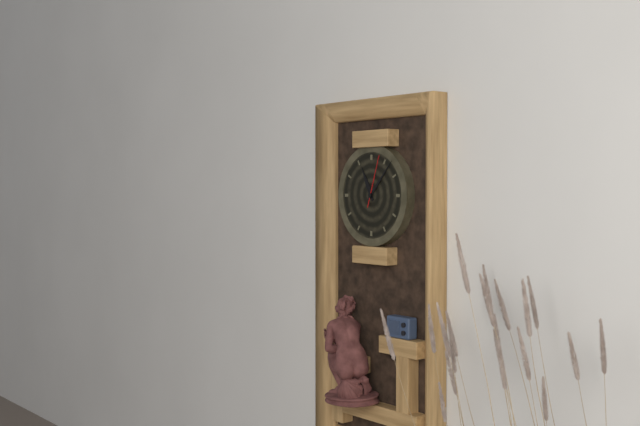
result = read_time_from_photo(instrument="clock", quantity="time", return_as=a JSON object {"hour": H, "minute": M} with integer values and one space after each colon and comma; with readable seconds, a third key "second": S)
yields {"hour": 11, "minute": 7, "second": 3}
